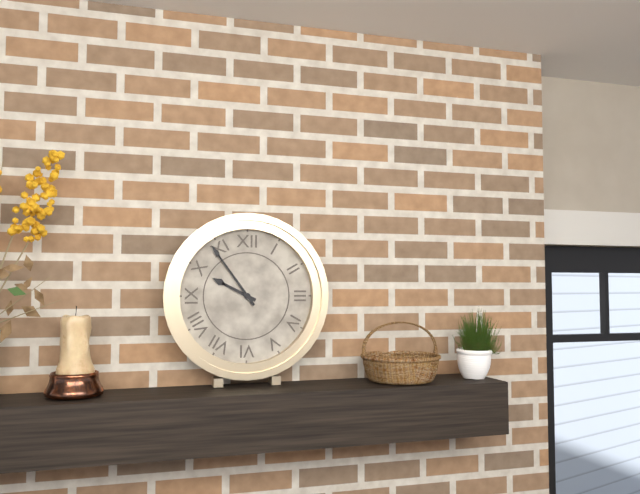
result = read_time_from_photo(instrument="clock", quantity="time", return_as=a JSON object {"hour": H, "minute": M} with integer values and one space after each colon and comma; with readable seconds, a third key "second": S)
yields {"hour": 9, "minute": 54}
